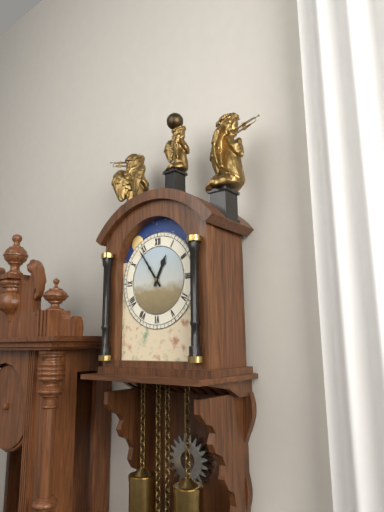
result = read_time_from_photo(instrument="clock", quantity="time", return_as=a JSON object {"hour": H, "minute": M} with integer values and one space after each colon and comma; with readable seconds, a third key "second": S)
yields {"hour": 12, "minute": 54}
